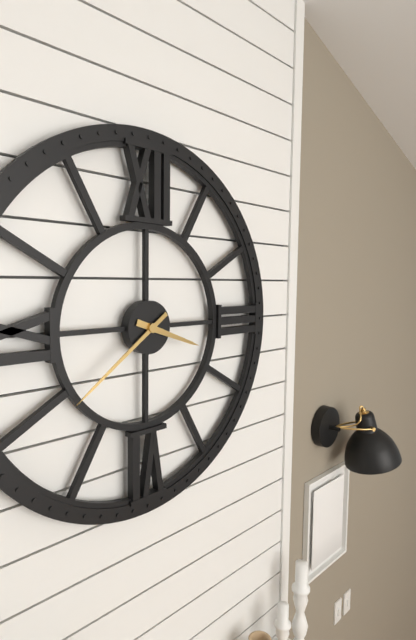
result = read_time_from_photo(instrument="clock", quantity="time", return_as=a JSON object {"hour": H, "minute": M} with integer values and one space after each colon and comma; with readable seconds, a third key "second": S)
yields {"hour": 3, "minute": 39}
